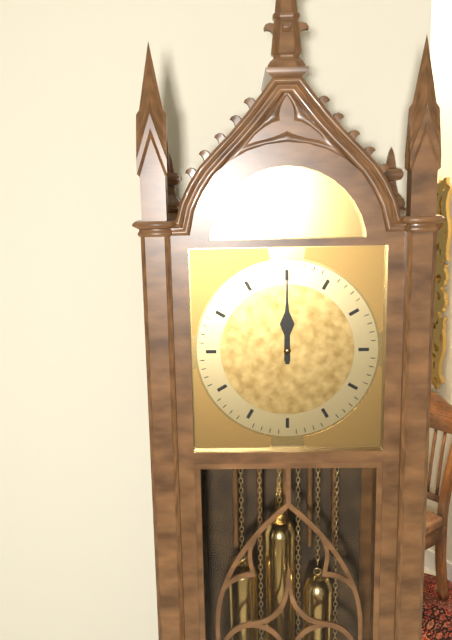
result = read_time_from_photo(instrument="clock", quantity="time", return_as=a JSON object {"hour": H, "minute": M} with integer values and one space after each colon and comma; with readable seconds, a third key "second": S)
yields {"hour": 12, "minute": 0}
